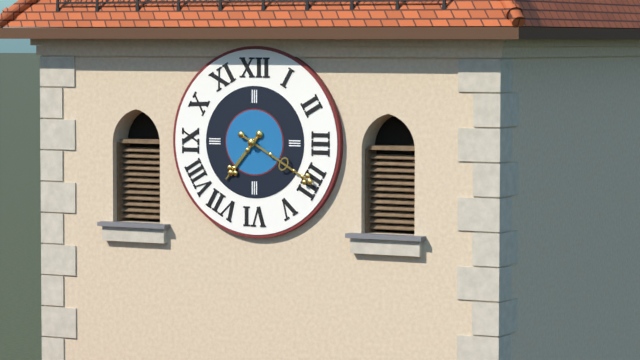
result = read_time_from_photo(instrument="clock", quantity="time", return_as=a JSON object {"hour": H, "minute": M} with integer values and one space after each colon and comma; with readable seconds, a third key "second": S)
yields {"hour": 7, "minute": 20}
